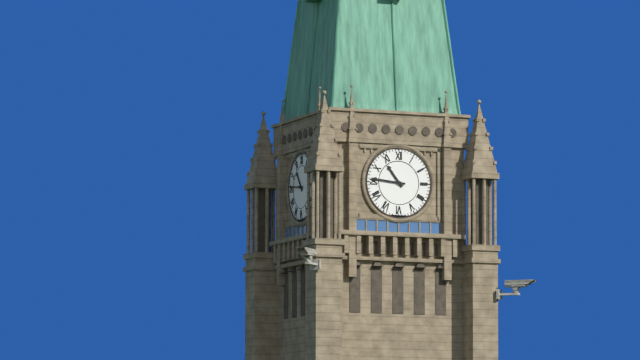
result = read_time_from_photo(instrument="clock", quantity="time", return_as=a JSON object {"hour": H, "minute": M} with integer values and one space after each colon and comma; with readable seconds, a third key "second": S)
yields {"hour": 10, "minute": 46}
